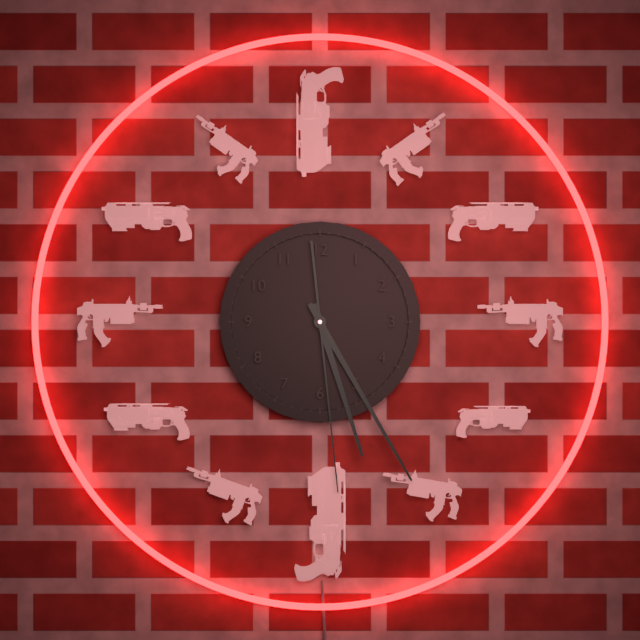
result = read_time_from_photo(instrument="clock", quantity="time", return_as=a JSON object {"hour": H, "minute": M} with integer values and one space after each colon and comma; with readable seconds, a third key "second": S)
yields {"hour": 5, "minute": 25, "second": 29}
